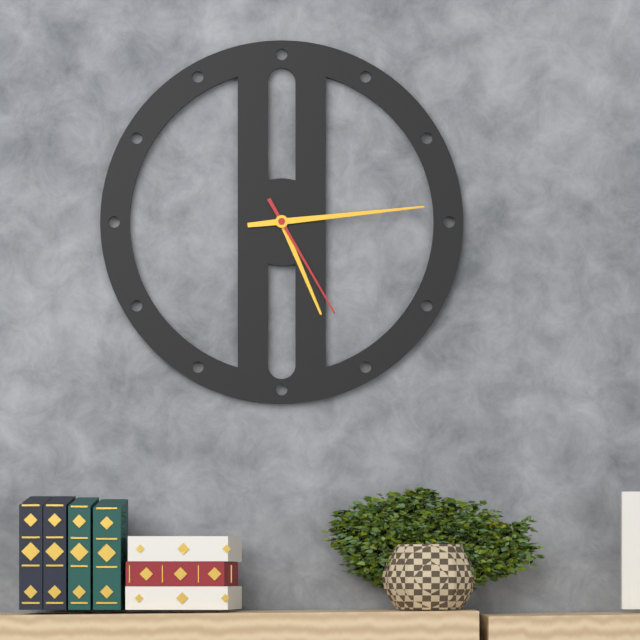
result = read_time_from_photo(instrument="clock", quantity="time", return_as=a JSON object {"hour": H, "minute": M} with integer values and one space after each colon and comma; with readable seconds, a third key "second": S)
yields {"hour": 5, "minute": 14, "second": 25}
